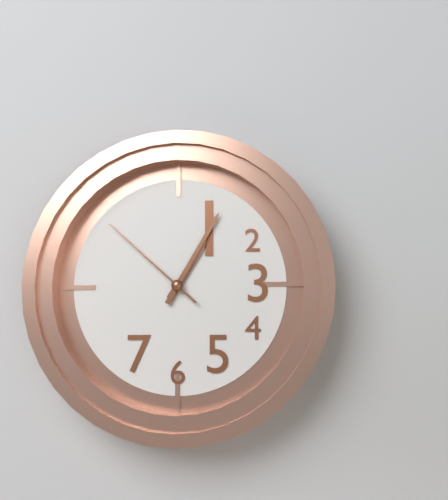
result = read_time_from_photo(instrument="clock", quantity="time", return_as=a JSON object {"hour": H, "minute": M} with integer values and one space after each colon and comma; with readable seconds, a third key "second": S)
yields {"hour": 1, "minute": 5, "second": 52}
